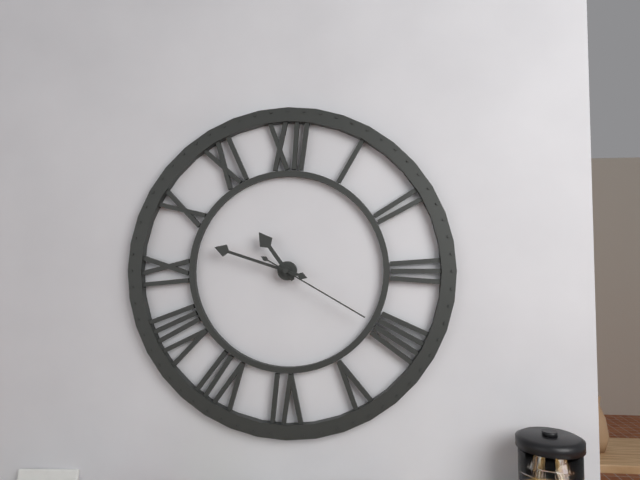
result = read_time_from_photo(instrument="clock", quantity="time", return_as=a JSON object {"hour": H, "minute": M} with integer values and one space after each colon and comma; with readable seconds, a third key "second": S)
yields {"hour": 10, "minute": 48, "second": 20}
